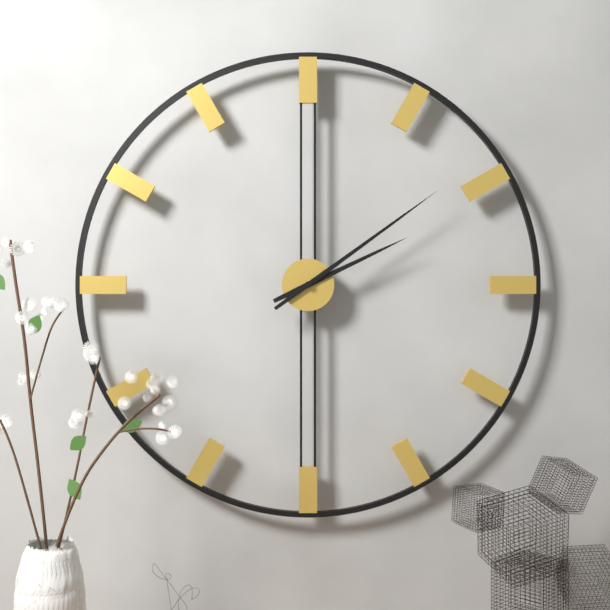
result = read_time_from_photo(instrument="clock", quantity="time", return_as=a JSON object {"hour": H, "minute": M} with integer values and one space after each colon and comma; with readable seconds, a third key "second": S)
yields {"hour": 2, "minute": 9}
